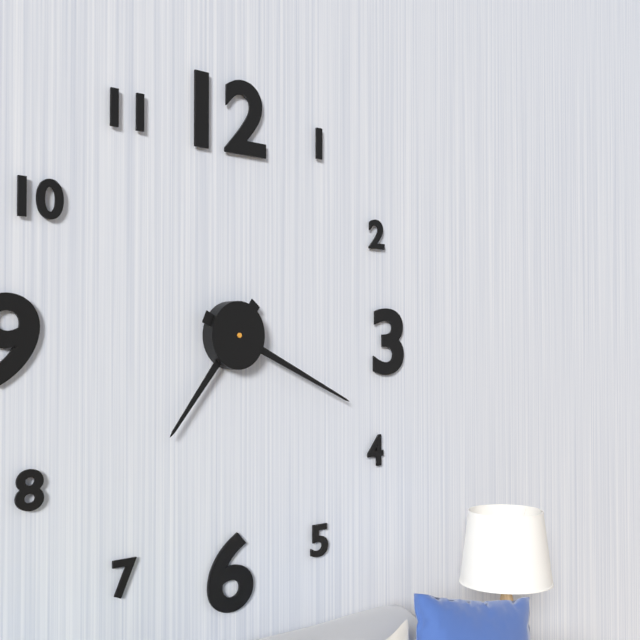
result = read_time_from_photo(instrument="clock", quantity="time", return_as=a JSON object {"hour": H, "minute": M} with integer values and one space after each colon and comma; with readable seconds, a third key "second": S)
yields {"hour": 7, "minute": 19}
